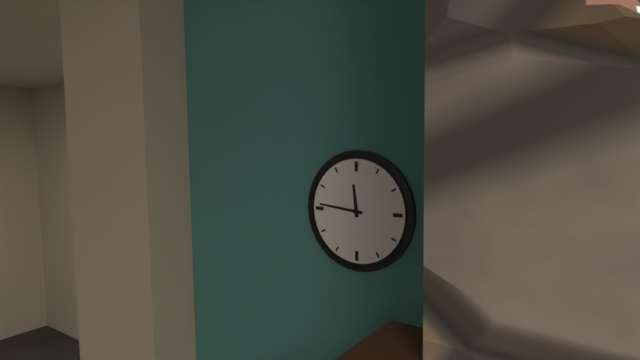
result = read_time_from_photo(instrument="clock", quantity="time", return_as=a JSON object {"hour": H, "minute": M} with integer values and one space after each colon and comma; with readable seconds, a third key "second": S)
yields {"hour": 11, "minute": 46}
